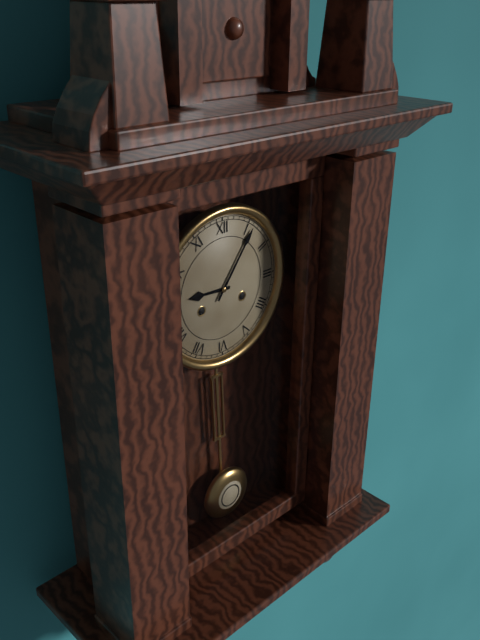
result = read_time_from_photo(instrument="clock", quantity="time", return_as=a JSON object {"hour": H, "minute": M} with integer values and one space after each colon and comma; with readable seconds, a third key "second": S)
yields {"hour": 9, "minute": 6}
